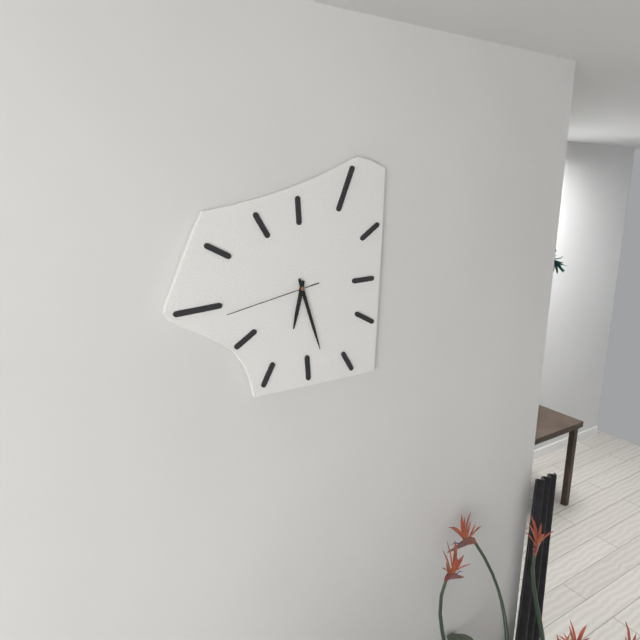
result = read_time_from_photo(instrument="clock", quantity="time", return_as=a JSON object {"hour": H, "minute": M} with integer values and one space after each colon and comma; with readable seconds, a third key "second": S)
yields {"hour": 6, "minute": 27, "second": 43}
